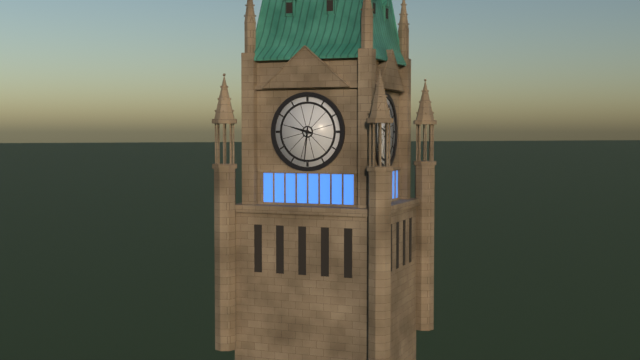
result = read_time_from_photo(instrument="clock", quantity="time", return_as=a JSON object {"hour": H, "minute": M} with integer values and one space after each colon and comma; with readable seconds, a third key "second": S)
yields {"hour": 9, "minute": 31}
